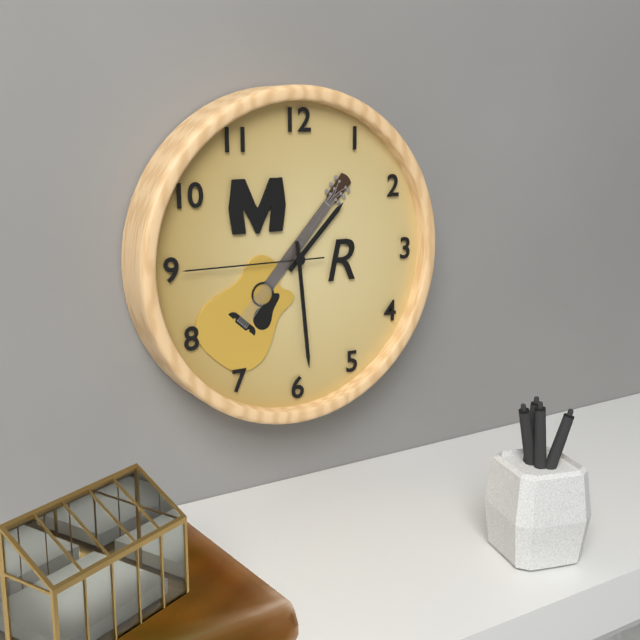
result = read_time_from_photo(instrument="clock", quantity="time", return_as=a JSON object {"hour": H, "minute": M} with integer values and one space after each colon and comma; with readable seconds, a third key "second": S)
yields {"hour": 1, "minute": 29, "second": 45}
